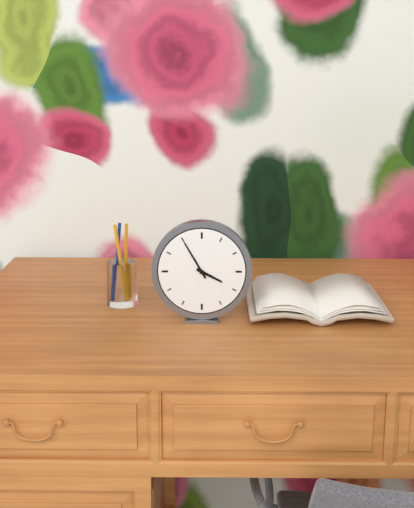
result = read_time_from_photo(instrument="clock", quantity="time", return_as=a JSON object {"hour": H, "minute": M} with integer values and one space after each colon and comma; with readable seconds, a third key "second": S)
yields {"hour": 3, "minute": 55}
